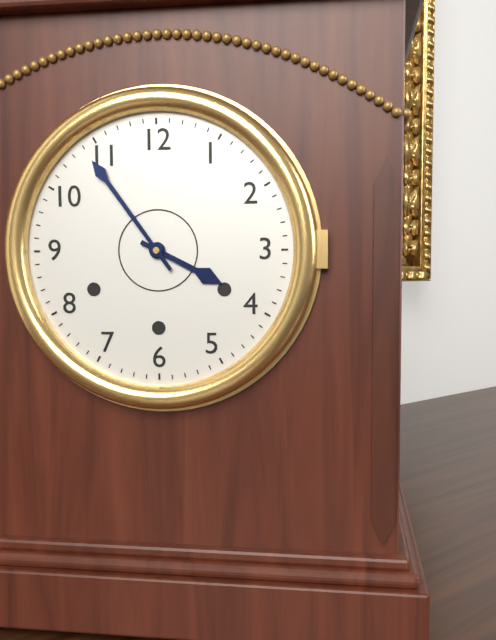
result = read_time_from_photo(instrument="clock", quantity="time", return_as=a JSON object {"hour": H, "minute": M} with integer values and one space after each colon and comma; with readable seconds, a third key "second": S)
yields {"hour": 3, "minute": 54}
